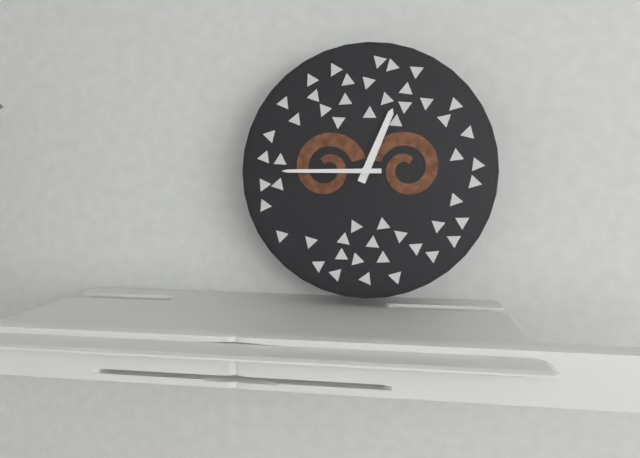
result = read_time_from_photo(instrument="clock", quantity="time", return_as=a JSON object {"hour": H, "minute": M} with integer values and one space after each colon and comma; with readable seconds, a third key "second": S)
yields {"hour": 12, "minute": 45}
